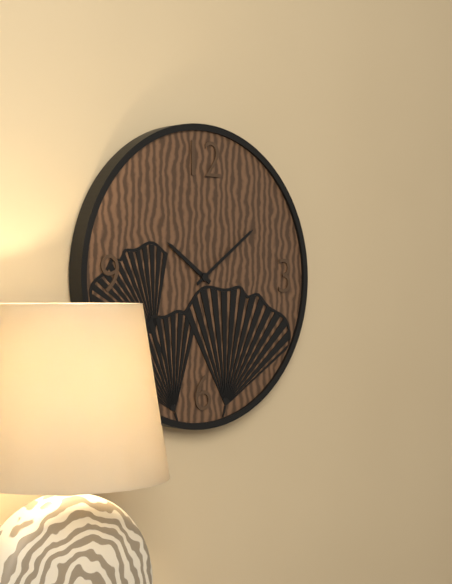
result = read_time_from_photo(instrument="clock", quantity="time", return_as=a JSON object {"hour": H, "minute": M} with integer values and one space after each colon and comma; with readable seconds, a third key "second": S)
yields {"hour": 10, "minute": 9}
